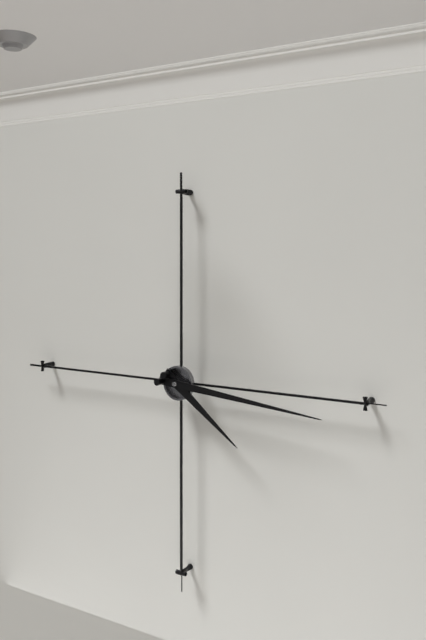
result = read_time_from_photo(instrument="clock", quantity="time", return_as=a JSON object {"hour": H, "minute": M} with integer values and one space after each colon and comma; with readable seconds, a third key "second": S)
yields {"hour": 4, "minute": 16}
